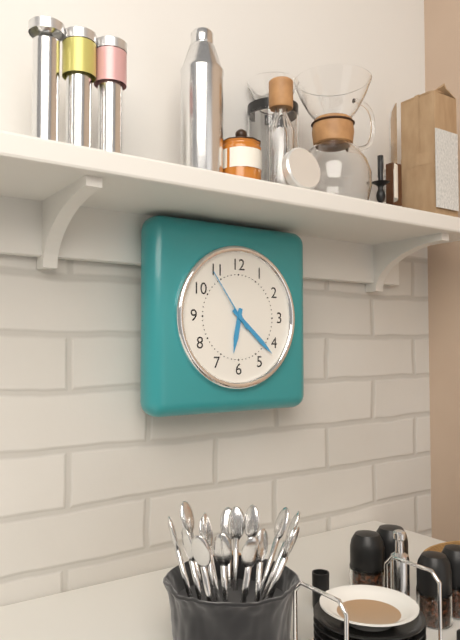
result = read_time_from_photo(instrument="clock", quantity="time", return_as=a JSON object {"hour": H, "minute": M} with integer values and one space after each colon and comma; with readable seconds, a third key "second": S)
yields {"hour": 6, "minute": 22, "second": 54}
